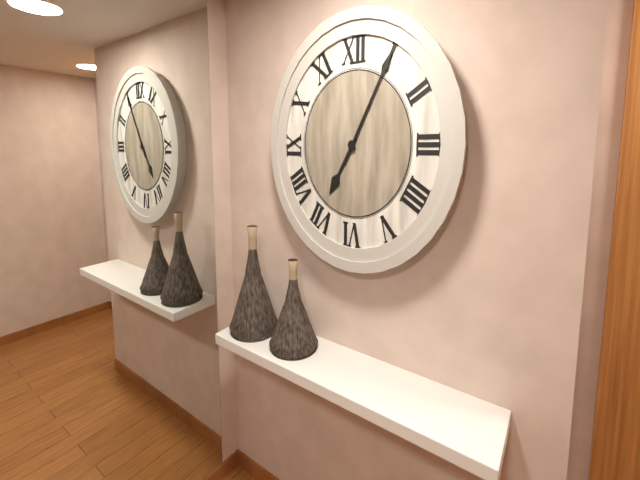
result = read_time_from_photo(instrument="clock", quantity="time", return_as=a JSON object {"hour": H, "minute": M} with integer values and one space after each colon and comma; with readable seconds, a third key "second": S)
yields {"hour": 7, "minute": 5}
